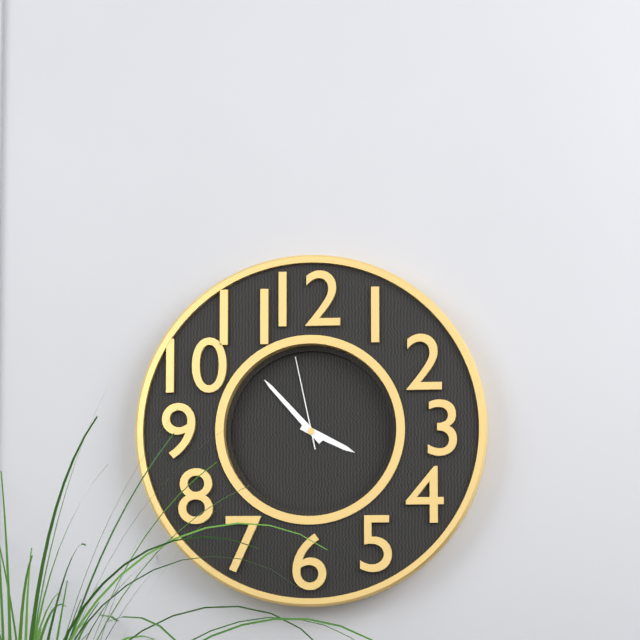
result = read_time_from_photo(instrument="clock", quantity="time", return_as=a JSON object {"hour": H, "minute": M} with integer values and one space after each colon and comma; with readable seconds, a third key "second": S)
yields {"hour": 3, "minute": 53, "second": 58}
